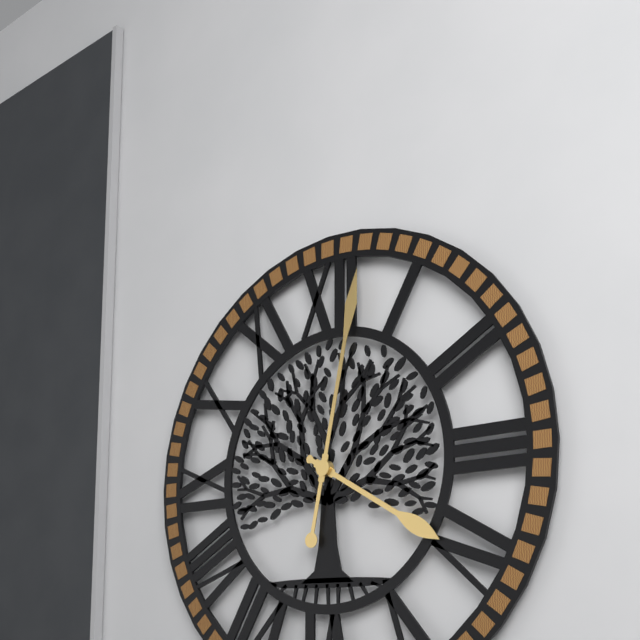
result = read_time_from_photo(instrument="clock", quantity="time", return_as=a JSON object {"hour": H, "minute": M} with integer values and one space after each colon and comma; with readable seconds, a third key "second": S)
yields {"hour": 4, "minute": 2}
